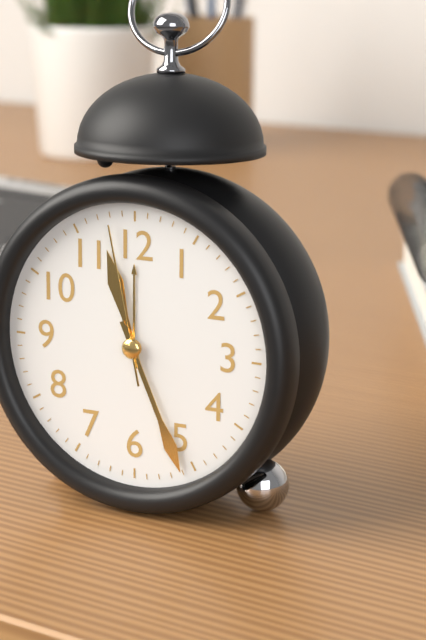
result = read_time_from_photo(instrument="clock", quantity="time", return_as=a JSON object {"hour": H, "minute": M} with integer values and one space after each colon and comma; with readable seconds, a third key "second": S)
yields {"hour": 11, "minute": 26, "second": 58}
